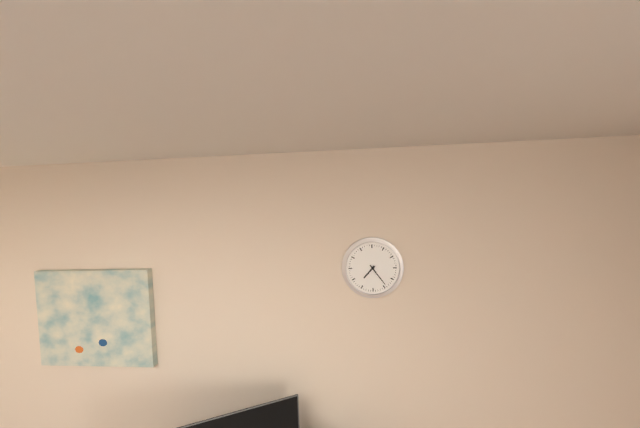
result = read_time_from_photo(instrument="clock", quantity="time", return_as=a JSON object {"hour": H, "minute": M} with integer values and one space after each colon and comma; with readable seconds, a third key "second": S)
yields {"hour": 7, "minute": 24}
